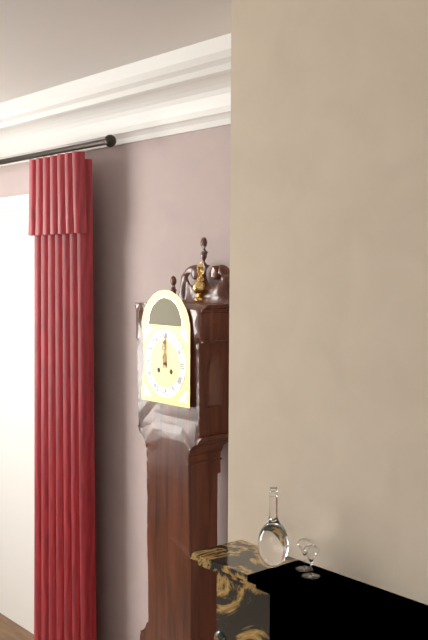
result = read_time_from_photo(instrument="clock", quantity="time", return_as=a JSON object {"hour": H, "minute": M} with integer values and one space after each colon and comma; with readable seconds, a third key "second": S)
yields {"hour": 11, "minute": 59}
